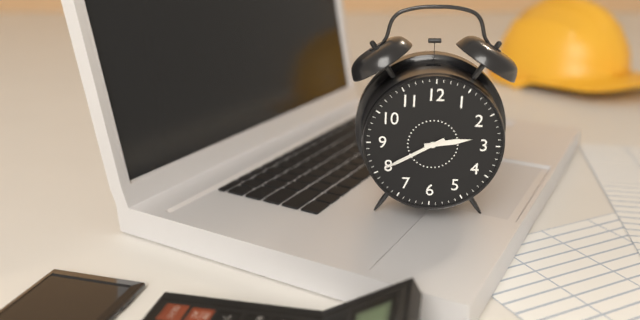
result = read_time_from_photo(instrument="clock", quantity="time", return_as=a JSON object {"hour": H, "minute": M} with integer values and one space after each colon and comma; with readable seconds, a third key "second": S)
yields {"hour": 2, "minute": 40}
